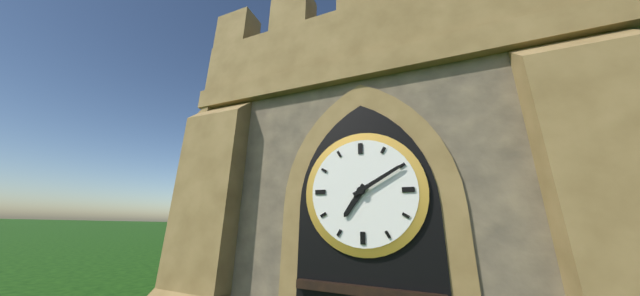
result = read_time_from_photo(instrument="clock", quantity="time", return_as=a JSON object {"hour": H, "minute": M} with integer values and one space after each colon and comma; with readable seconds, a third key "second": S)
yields {"hour": 7, "minute": 10}
